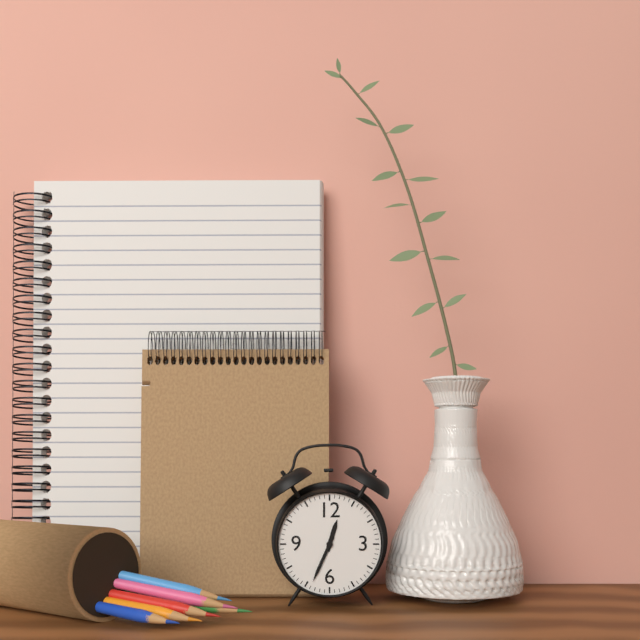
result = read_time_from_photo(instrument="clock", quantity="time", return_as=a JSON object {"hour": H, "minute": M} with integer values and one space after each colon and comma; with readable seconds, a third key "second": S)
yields {"hour": 12, "minute": 34}
